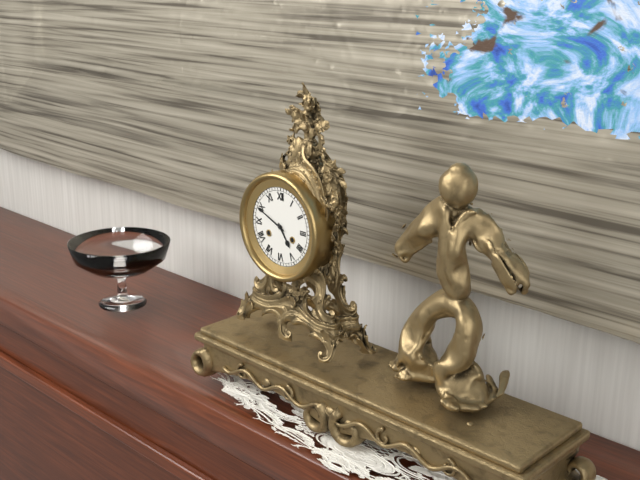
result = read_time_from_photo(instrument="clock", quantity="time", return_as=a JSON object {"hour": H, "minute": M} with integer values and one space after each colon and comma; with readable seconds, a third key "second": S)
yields {"hour": 4, "minute": 49}
